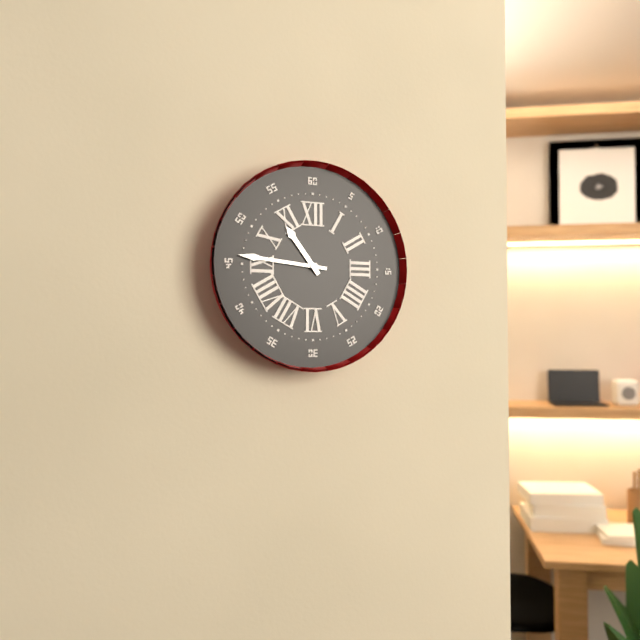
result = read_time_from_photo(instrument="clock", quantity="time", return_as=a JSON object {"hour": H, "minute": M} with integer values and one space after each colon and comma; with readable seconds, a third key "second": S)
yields {"hour": 10, "minute": 46}
